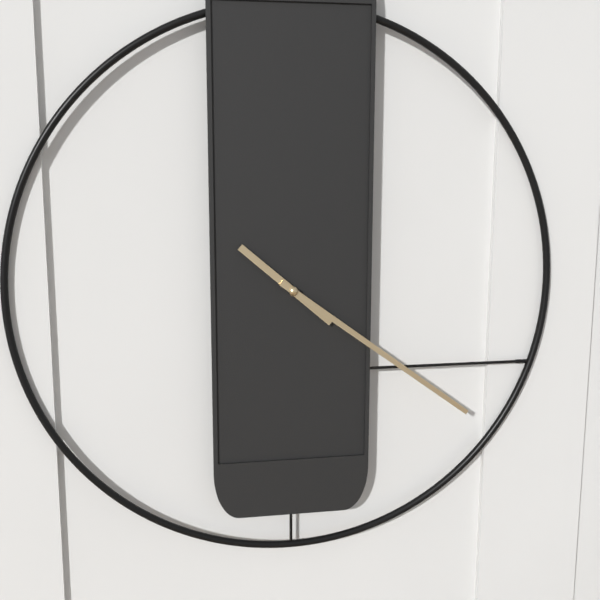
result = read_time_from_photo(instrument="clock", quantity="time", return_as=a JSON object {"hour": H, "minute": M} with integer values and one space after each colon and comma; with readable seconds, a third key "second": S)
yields {"hour": 10, "minute": 21}
